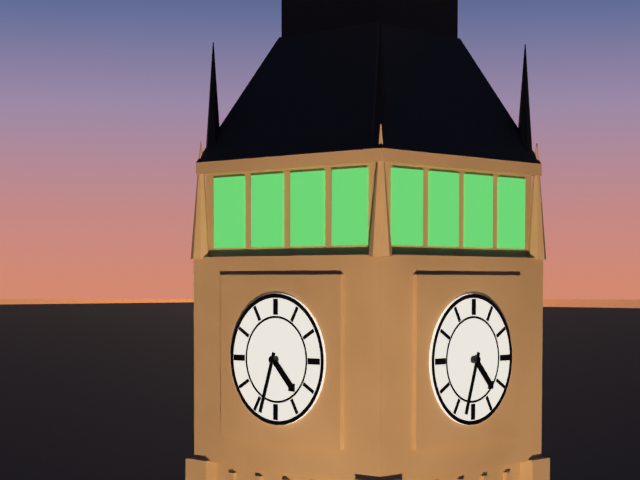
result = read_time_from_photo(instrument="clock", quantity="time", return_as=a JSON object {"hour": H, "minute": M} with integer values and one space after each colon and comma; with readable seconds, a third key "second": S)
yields {"hour": 4, "minute": 33}
